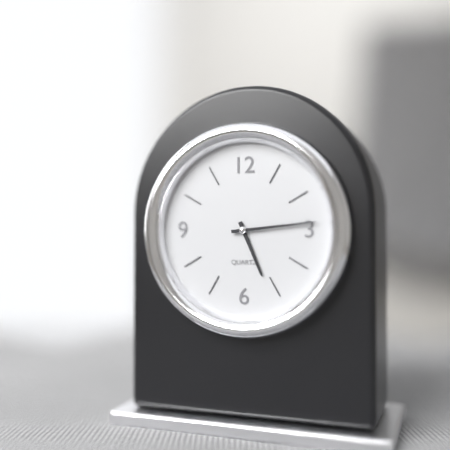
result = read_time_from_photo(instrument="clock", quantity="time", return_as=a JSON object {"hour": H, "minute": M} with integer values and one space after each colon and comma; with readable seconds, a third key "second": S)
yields {"hour": 5, "minute": 14}
